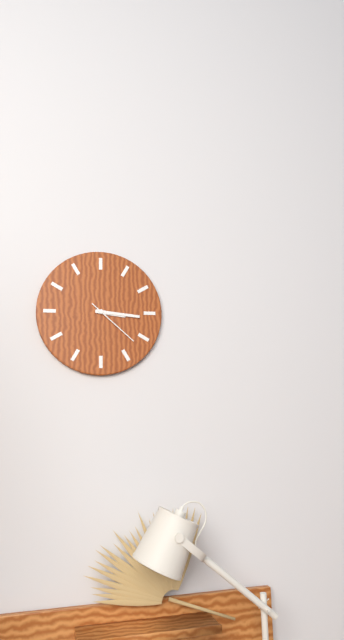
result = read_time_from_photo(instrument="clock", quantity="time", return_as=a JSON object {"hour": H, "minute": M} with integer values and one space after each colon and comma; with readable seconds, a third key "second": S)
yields {"hour": 3, "minute": 16, "second": 22}
